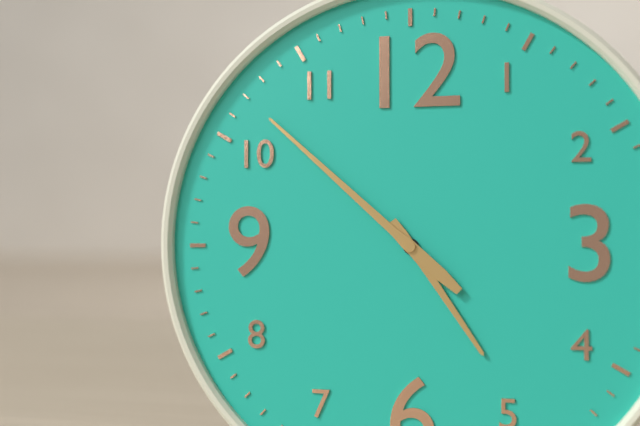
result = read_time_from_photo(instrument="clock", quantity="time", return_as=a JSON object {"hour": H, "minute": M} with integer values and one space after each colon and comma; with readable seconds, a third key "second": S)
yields {"hour": 4, "minute": 52}
